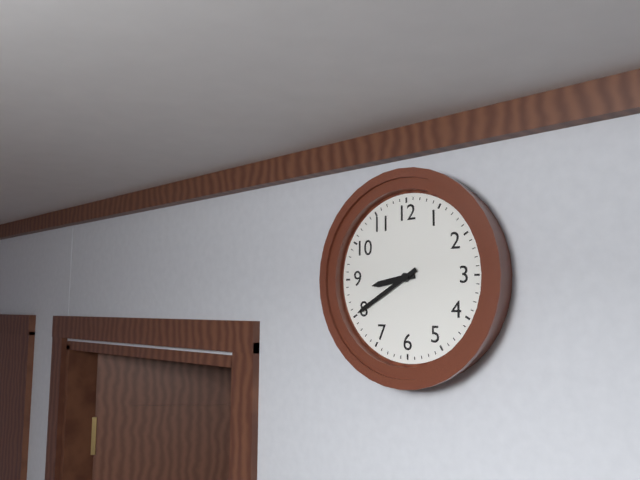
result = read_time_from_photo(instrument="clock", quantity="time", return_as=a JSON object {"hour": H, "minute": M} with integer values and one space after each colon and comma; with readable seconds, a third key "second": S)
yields {"hour": 8, "minute": 40}
